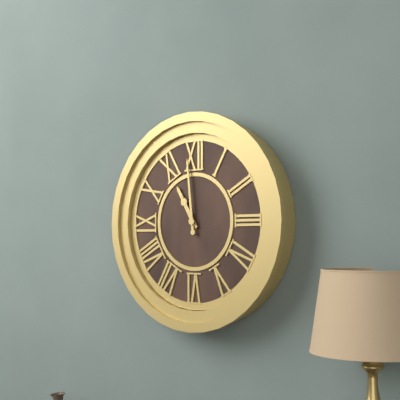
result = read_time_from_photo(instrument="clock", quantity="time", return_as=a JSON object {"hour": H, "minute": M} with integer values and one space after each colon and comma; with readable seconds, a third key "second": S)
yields {"hour": 10, "minute": 59}
